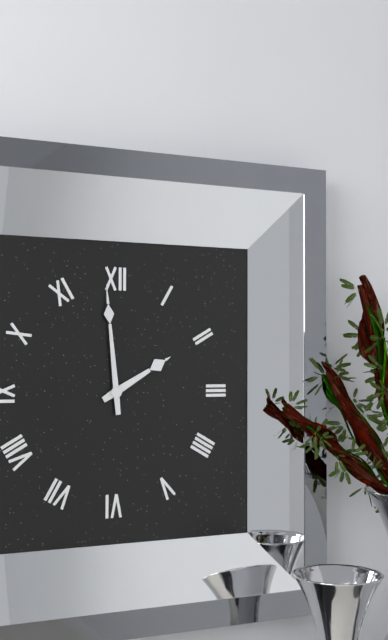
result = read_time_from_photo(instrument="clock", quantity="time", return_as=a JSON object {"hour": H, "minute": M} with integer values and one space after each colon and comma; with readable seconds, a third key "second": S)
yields {"hour": 1, "minute": 59}
